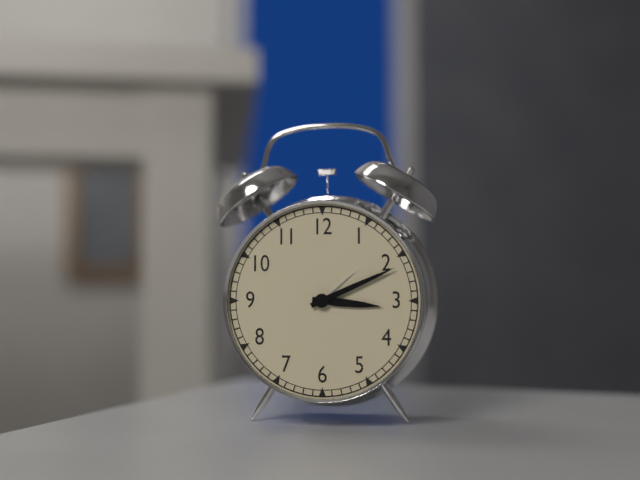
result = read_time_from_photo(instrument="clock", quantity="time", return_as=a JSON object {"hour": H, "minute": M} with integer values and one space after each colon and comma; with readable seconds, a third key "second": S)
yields {"hour": 3, "minute": 11}
